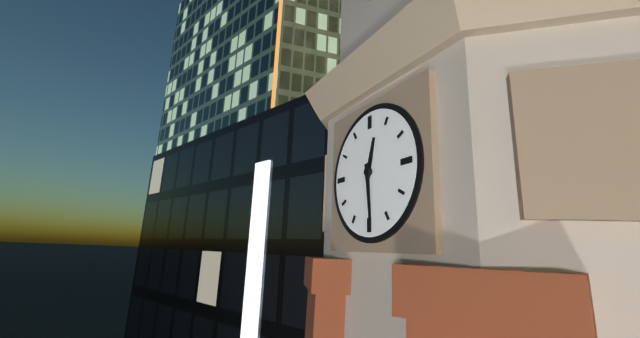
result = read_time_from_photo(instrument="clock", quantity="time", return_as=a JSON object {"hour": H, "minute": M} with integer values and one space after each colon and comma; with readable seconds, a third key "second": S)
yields {"hour": 12, "minute": 29}
